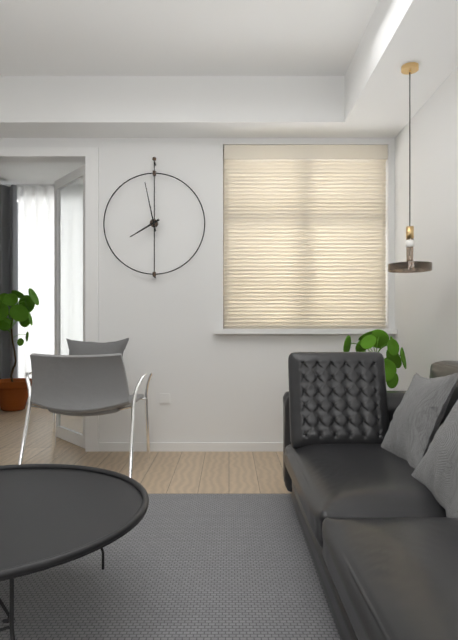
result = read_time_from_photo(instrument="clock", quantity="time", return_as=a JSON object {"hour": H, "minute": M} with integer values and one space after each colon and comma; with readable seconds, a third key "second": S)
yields {"hour": 7, "minute": 58}
